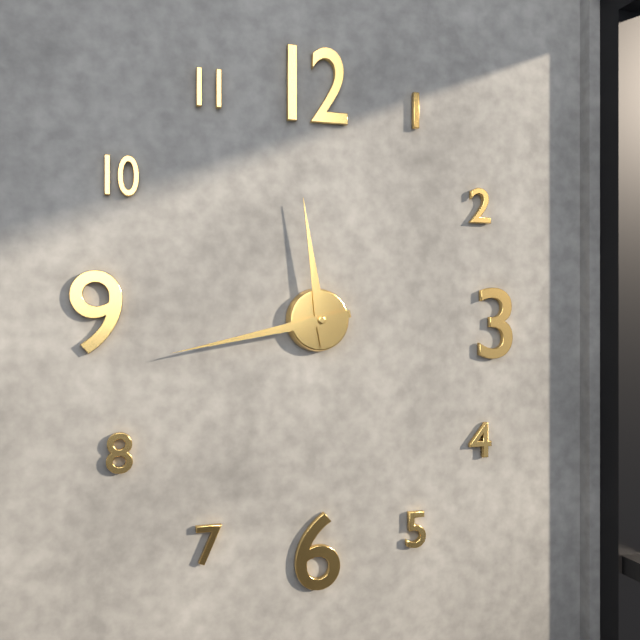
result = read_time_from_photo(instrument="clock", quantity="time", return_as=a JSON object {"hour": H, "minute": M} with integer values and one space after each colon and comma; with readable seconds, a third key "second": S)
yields {"hour": 11, "minute": 43}
